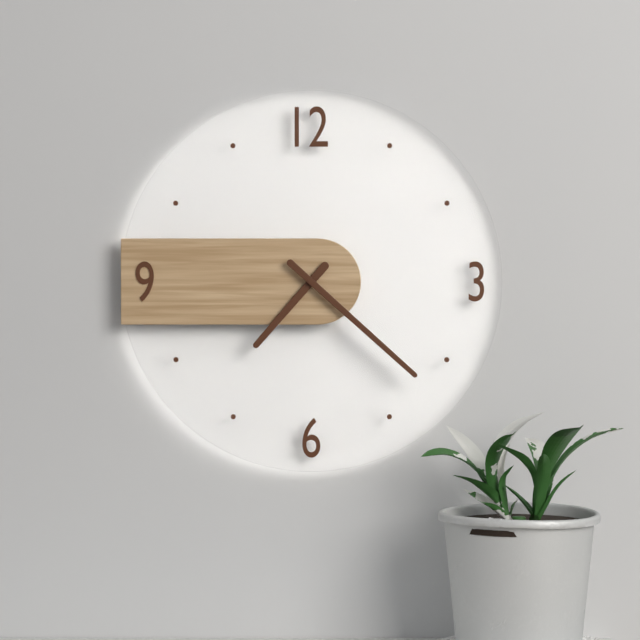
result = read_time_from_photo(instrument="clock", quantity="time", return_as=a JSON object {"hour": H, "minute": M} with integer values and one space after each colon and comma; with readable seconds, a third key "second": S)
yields {"hour": 7, "minute": 22}
